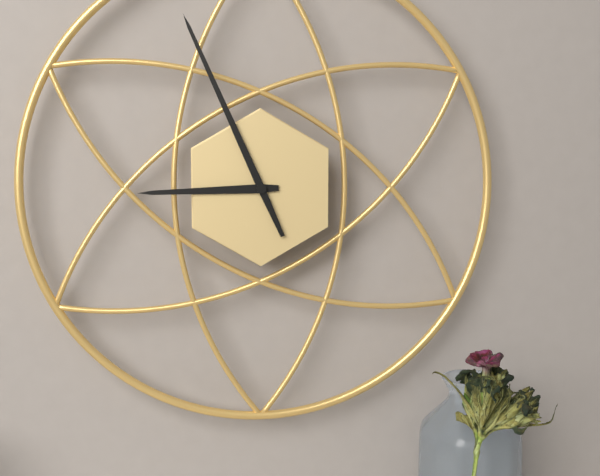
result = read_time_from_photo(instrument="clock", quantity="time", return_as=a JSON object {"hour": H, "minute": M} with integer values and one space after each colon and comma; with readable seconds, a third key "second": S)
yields {"hour": 8, "minute": 56}
